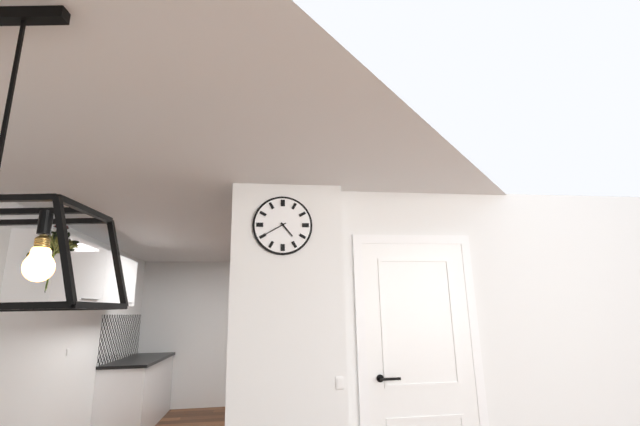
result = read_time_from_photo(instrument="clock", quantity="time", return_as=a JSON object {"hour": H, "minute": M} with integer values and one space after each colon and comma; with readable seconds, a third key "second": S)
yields {"hour": 4, "minute": 40}
